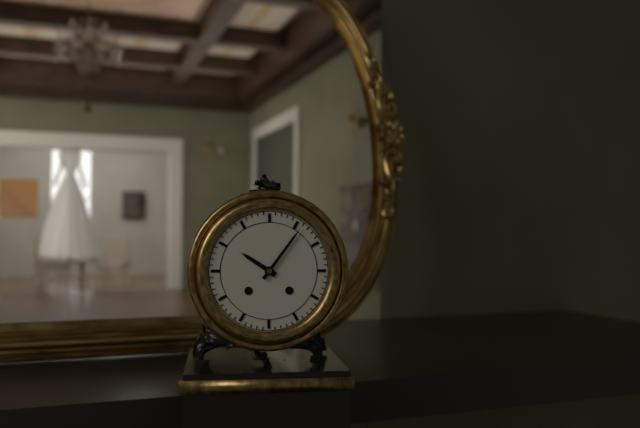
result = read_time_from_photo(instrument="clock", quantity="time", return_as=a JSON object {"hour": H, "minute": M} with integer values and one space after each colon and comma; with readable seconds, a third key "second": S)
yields {"hour": 10, "minute": 6}
